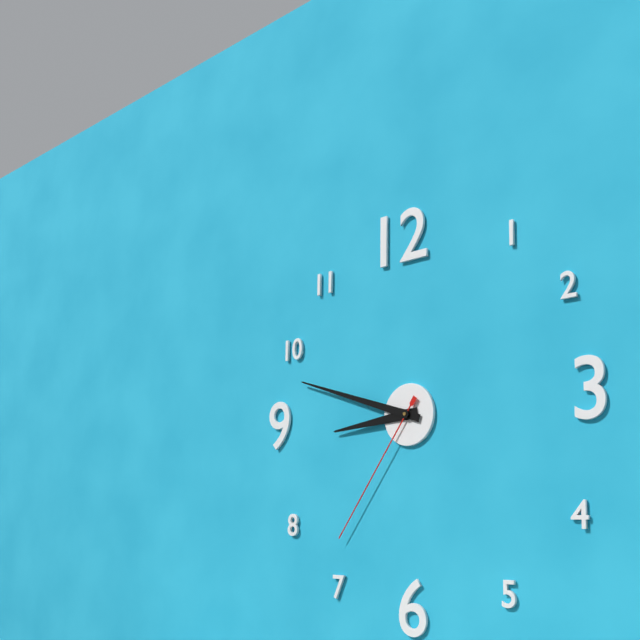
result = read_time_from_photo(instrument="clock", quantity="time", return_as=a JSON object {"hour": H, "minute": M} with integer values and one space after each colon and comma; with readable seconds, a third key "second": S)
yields {"hour": 8, "minute": 48, "second": 36}
